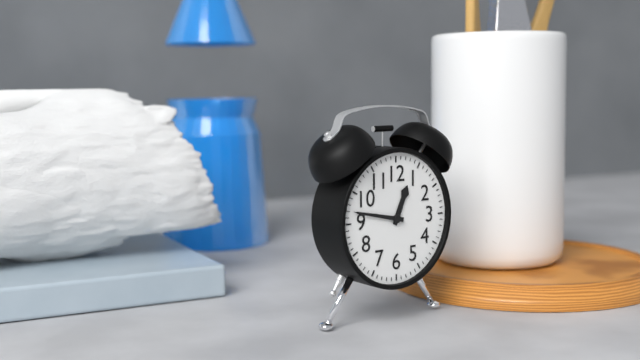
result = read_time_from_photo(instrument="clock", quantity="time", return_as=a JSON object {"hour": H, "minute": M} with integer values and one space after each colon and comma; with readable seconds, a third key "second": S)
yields {"hour": 12, "minute": 47}
